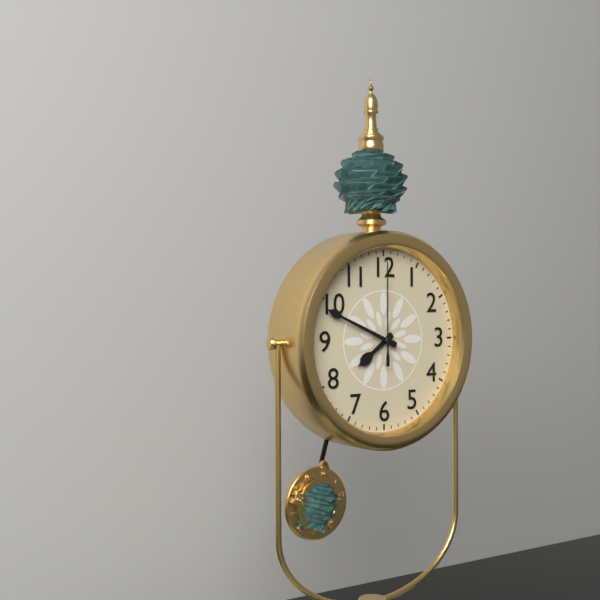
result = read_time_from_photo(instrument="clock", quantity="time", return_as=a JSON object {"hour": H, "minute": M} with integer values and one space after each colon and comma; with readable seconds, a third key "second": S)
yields {"hour": 7, "minute": 49, "second": 0}
